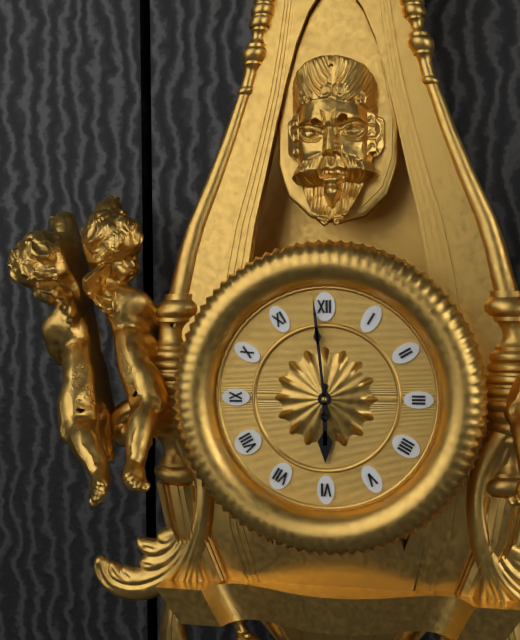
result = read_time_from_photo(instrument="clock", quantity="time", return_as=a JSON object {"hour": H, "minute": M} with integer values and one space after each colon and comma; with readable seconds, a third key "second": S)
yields {"hour": 5, "minute": 59}
